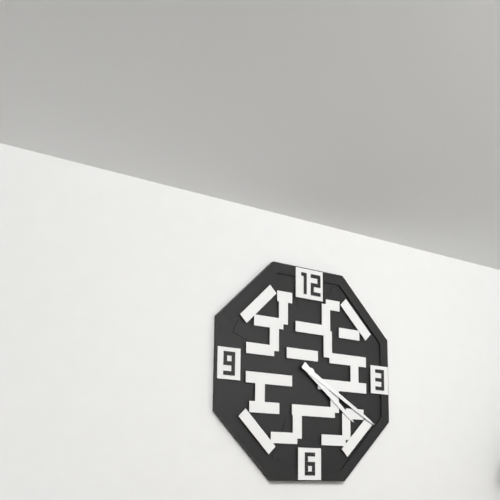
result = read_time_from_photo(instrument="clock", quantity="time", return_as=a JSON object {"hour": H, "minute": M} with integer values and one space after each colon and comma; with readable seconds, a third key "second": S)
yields {"hour": 4, "minute": 20}
